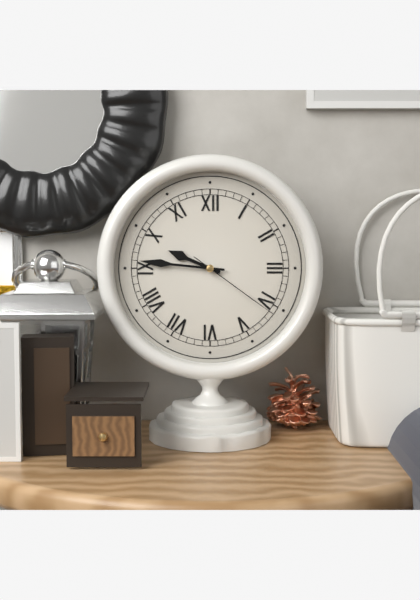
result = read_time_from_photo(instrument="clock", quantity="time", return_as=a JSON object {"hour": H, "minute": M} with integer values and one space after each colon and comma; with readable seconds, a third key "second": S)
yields {"hour": 9, "minute": 46, "second": 21}
